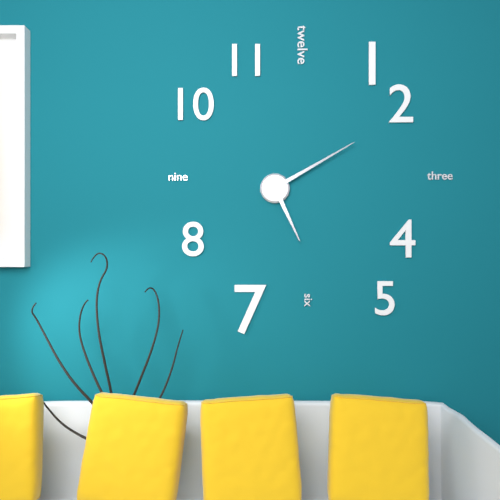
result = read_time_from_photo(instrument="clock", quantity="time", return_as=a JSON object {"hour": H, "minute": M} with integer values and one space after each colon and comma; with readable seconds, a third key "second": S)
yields {"hour": 5, "minute": 10}
